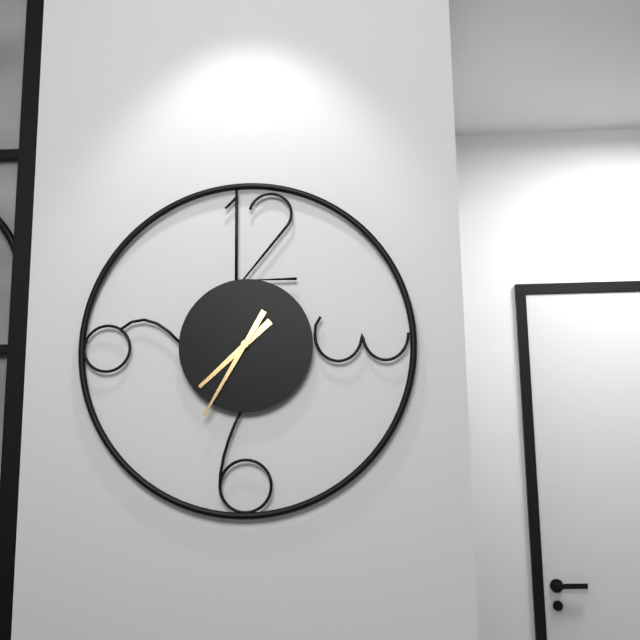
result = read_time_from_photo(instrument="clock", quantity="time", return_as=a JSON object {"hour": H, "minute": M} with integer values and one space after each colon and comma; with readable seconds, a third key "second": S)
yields {"hour": 7, "minute": 35}
